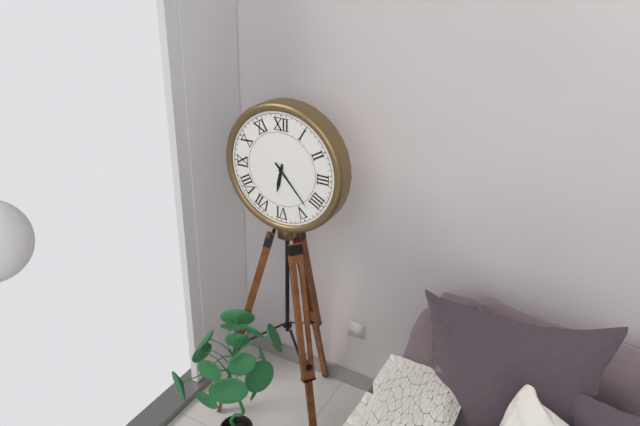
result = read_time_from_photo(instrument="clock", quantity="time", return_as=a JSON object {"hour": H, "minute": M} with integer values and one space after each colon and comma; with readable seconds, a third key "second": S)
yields {"hour": 6, "minute": 23}
